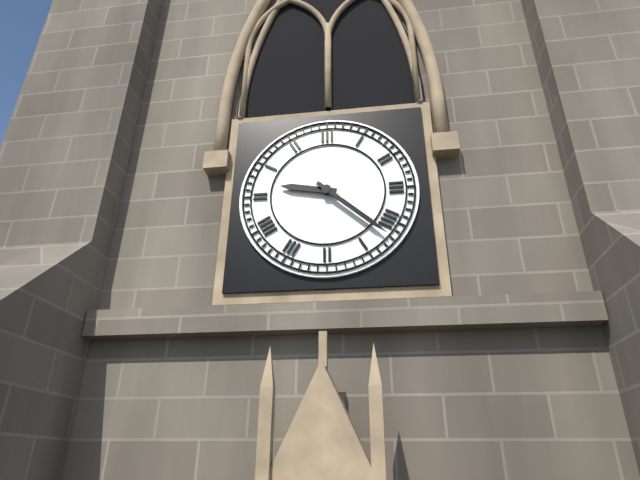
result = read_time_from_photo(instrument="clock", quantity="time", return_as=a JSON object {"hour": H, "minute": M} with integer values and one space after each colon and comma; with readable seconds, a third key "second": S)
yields {"hour": 9, "minute": 22}
